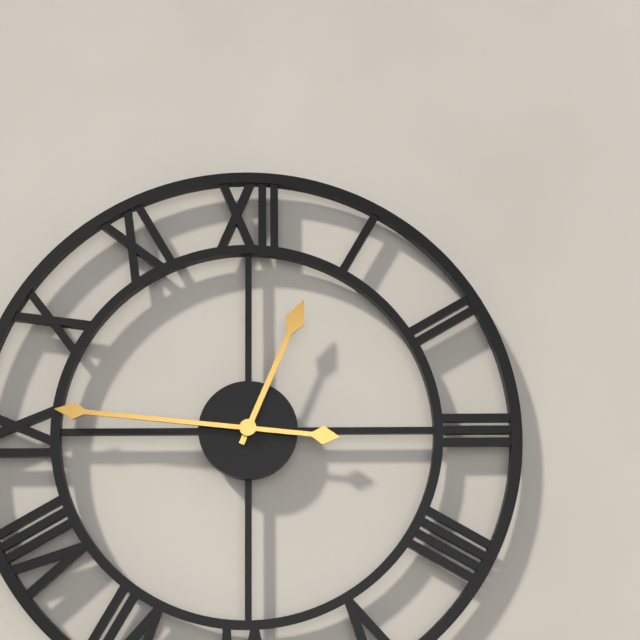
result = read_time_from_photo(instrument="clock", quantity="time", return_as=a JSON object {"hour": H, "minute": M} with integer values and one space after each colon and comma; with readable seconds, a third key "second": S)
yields {"hour": 12, "minute": 46}
